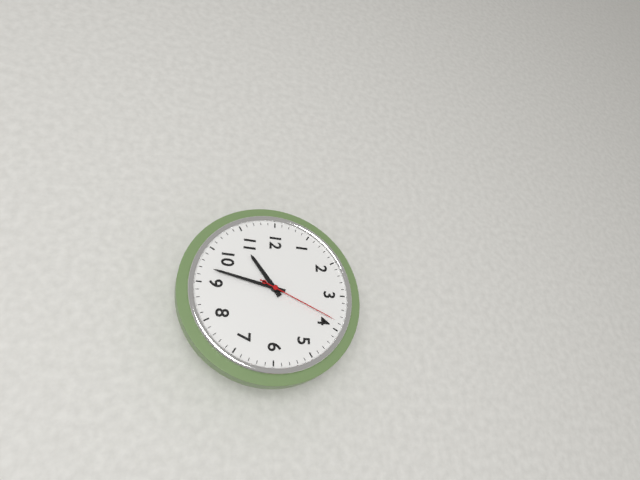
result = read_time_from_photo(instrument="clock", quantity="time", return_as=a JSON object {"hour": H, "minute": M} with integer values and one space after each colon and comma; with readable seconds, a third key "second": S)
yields {"hour": 10, "minute": 47, "second": 19}
